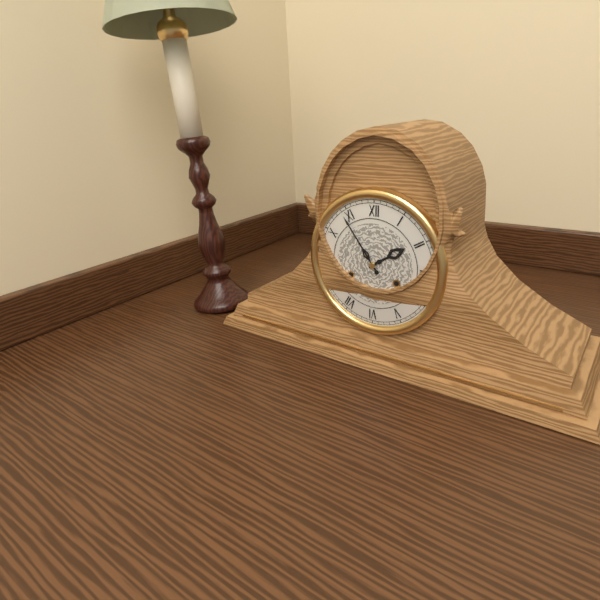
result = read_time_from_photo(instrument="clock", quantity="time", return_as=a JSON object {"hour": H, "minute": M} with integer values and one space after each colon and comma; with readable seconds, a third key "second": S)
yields {"hour": 1, "minute": 54}
